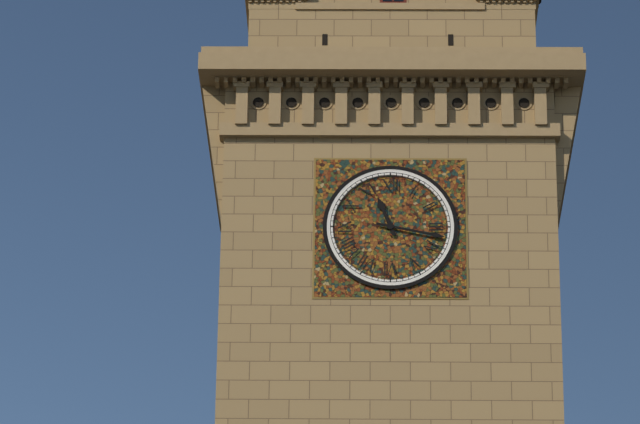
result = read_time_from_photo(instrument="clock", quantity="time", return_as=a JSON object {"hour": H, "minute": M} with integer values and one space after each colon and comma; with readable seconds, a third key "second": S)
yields {"hour": 11, "minute": 17}
